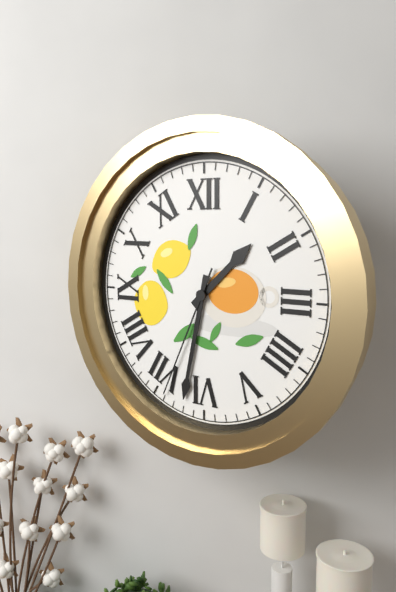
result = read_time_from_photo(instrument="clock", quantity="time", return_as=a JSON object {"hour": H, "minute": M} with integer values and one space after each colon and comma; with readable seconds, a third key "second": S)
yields {"hour": 1, "minute": 32, "second": 34}
